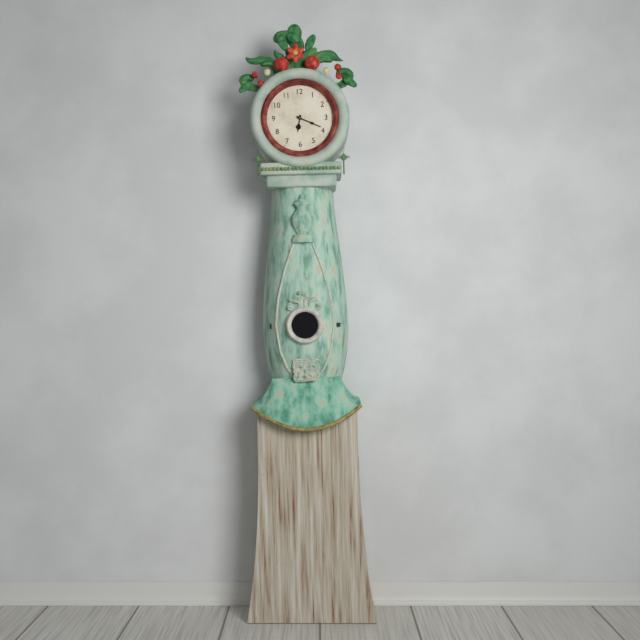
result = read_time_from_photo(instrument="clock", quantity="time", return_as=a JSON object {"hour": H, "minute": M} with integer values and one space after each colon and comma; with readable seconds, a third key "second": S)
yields {"hour": 6, "minute": 19}
